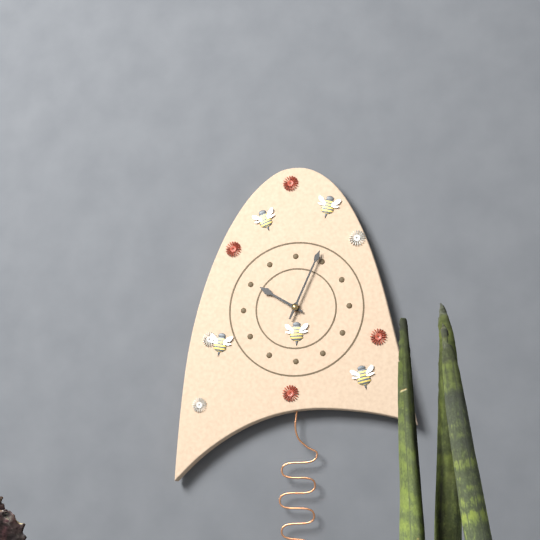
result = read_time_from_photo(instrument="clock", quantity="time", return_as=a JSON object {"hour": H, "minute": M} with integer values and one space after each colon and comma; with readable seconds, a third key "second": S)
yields {"hour": 10, "minute": 4}
